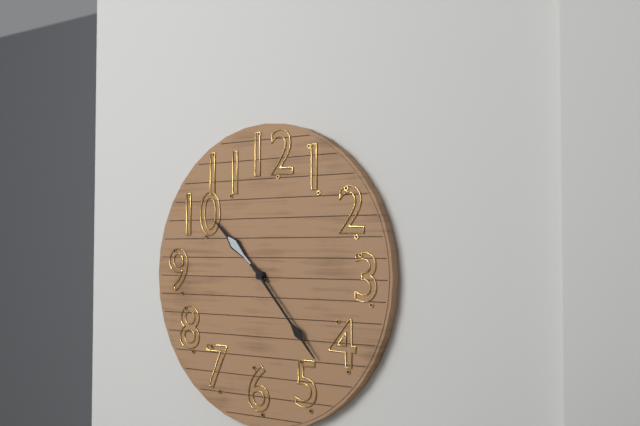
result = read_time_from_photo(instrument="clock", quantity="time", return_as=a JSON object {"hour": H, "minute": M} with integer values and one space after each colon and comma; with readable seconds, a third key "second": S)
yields {"hour": 10, "minute": 23}
